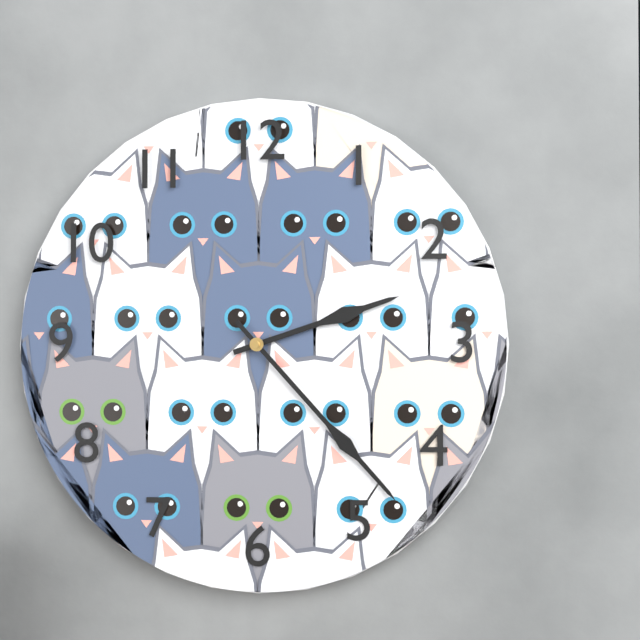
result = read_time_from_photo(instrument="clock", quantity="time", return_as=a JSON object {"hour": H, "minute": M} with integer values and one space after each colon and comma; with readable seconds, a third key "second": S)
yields {"hour": 2, "minute": 23}
